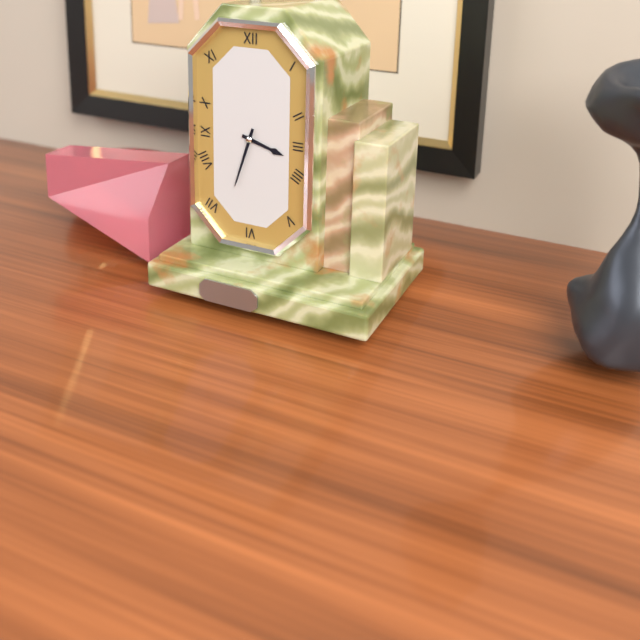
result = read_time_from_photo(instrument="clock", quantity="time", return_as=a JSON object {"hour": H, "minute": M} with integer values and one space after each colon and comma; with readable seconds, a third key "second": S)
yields {"hour": 3, "minute": 33}
